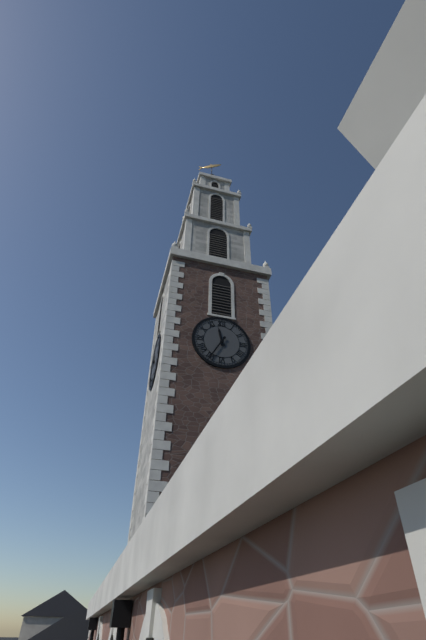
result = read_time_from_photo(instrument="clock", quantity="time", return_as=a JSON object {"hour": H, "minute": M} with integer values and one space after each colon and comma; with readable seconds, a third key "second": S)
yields {"hour": 11, "minute": 35}
